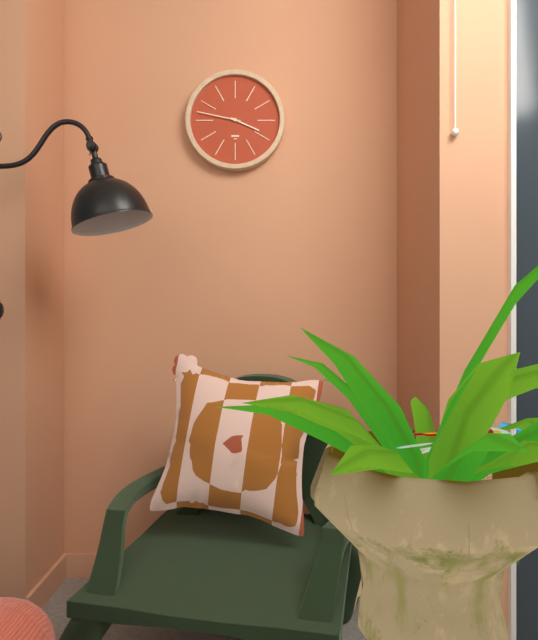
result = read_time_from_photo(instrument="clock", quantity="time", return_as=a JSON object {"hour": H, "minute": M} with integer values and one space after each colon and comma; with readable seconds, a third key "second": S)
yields {"hour": 3, "minute": 47}
